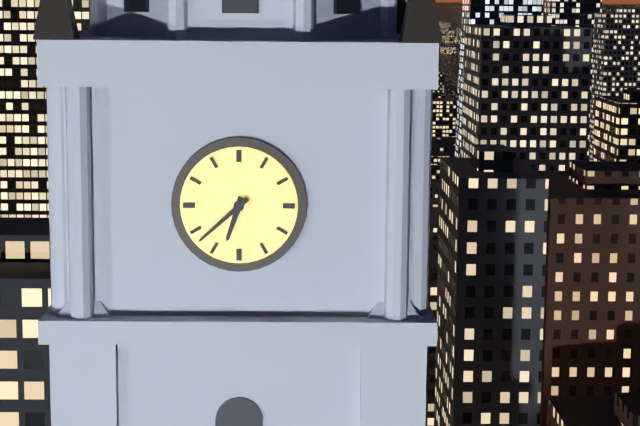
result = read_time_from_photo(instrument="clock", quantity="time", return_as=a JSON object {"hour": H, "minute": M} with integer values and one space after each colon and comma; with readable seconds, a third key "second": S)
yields {"hour": 6, "minute": 38}
